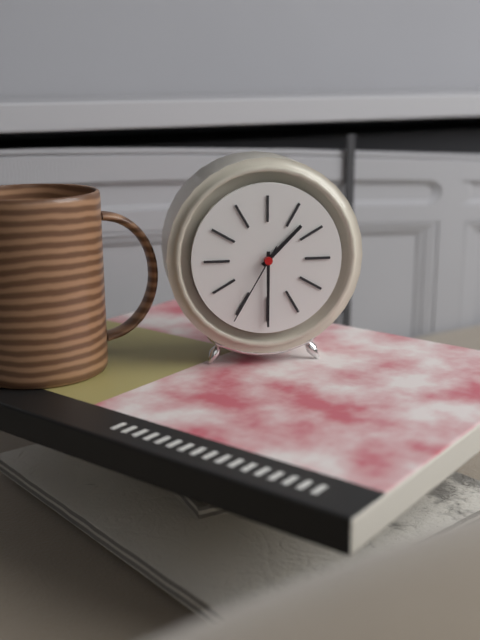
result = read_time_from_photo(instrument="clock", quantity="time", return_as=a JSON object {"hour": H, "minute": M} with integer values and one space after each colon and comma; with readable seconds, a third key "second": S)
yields {"hour": 1, "minute": 30, "second": 35}
